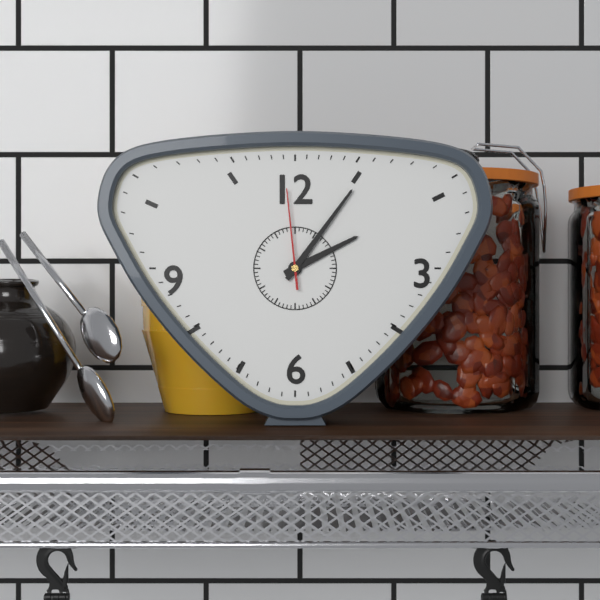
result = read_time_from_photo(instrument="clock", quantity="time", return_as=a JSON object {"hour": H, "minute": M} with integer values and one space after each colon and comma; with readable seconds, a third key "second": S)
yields {"hour": 2, "minute": 6, "second": 59}
